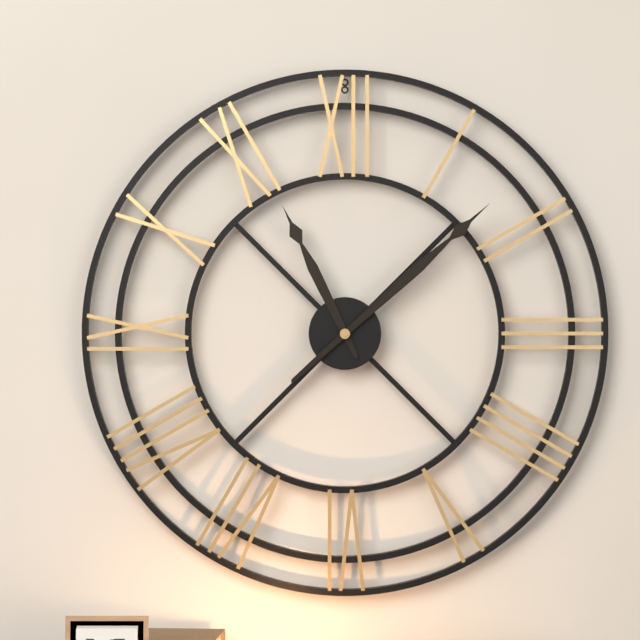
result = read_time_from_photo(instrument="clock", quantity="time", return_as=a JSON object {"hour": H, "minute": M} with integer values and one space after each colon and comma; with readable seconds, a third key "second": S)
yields {"hour": 11, "minute": 8}
